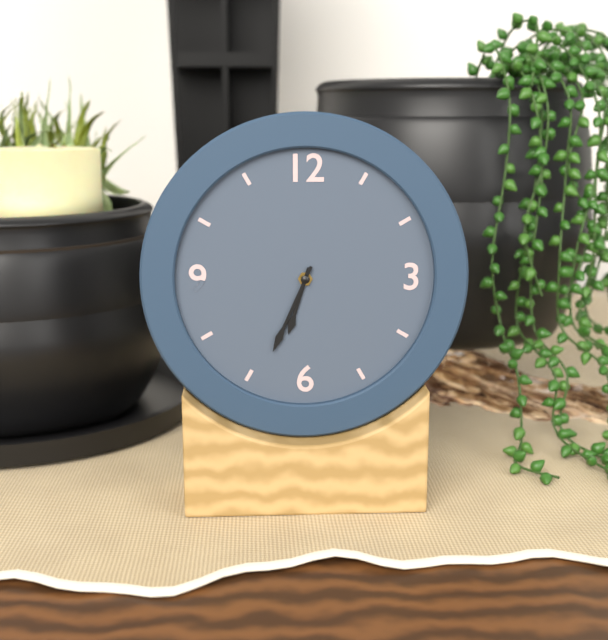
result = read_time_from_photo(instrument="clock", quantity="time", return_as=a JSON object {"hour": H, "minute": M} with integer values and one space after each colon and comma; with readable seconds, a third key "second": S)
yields {"hour": 6, "minute": 34}
